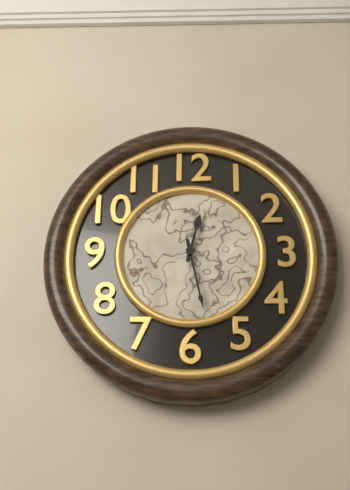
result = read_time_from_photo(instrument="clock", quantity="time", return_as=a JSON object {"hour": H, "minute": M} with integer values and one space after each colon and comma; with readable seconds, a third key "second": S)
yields {"hour": 12, "minute": 28}
